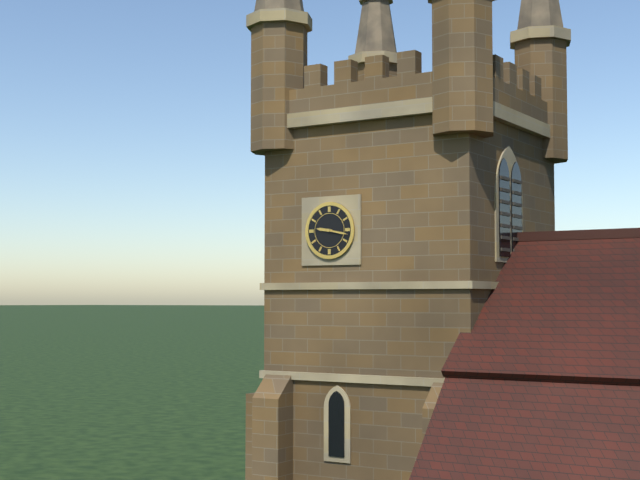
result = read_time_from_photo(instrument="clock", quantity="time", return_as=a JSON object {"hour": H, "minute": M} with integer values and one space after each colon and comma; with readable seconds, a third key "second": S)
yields {"hour": 9, "minute": 17}
